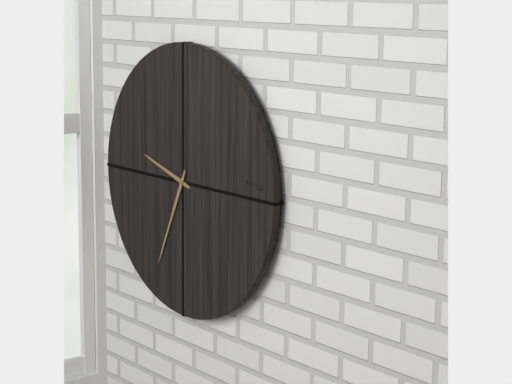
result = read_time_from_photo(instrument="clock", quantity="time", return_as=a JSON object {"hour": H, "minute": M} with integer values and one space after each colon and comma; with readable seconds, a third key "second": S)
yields {"hour": 9, "minute": 34}
